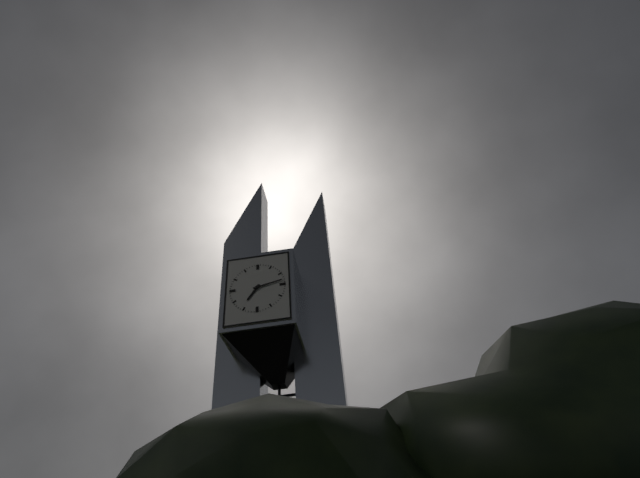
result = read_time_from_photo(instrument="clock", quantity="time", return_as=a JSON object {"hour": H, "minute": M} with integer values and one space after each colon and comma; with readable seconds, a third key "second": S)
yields {"hour": 7, "minute": 13}
